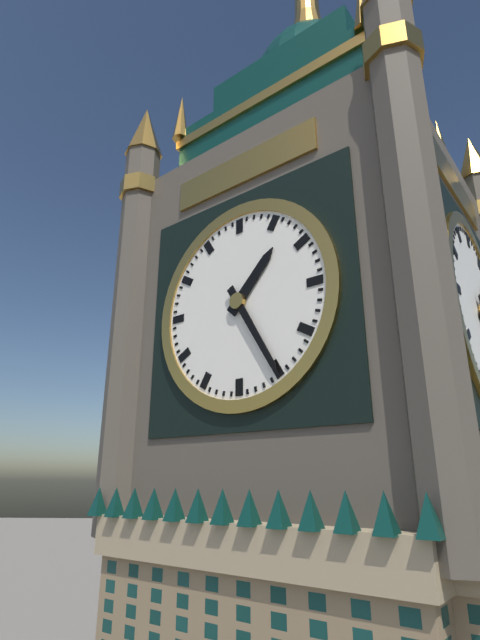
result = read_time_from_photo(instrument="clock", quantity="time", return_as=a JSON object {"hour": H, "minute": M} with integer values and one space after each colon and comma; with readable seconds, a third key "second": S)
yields {"hour": 1, "minute": 25}
